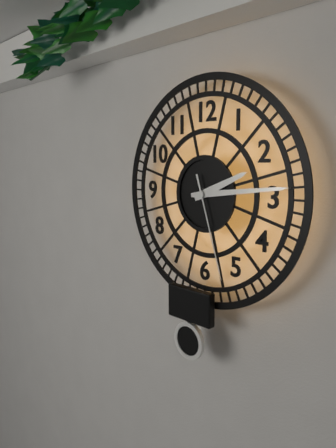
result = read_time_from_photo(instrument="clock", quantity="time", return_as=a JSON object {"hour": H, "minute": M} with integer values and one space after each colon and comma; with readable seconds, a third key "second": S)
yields {"hour": 2, "minute": 14, "second": 27}
